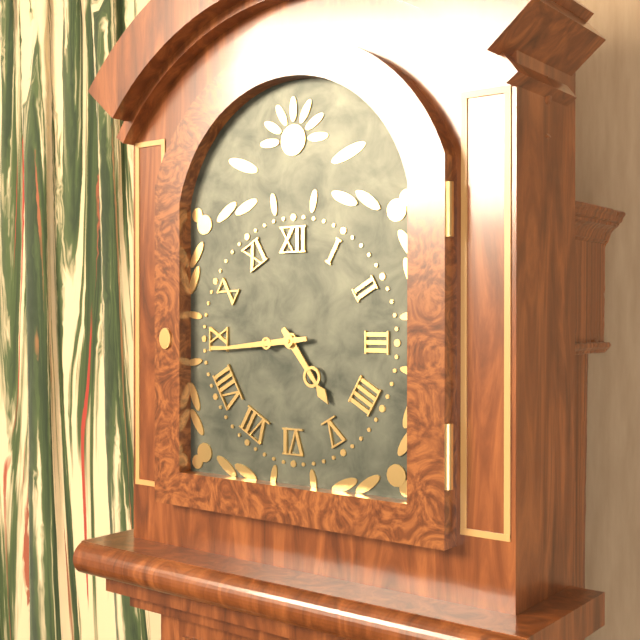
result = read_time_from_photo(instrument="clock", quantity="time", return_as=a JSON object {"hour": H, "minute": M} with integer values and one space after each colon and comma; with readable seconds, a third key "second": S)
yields {"hour": 4, "minute": 44}
